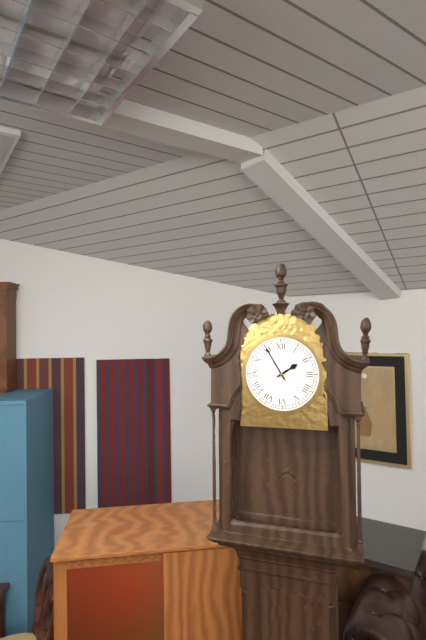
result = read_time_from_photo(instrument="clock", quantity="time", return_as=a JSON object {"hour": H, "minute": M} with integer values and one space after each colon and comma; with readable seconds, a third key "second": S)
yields {"hour": 1, "minute": 55}
